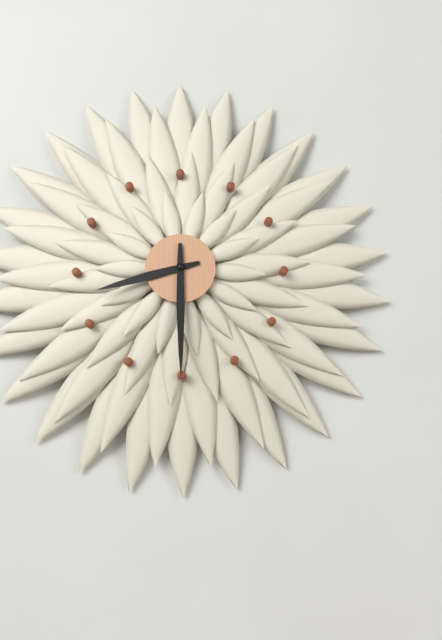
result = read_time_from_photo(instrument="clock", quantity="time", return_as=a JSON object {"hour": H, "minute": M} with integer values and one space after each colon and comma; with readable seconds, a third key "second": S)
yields {"hour": 8, "minute": 30}
